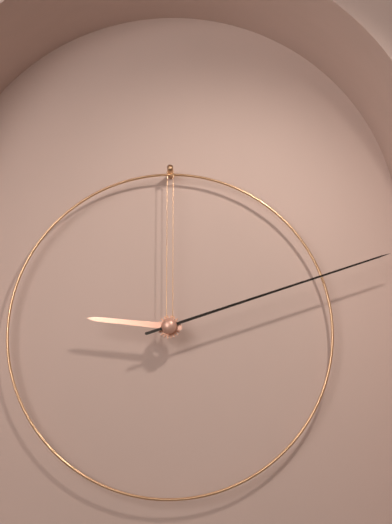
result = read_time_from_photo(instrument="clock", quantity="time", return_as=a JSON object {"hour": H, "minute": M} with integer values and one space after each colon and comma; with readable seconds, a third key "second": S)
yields {"hour": 9, "minute": 12}
